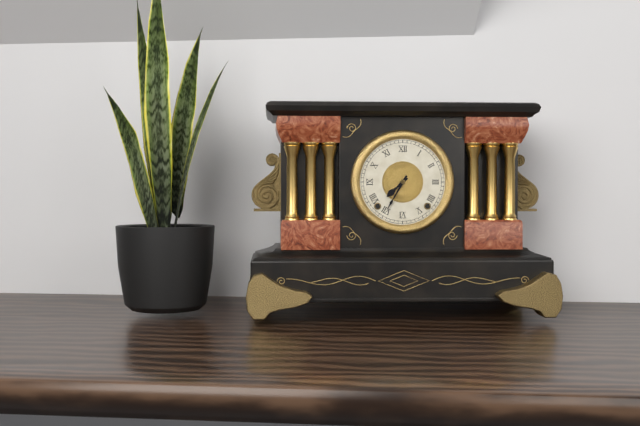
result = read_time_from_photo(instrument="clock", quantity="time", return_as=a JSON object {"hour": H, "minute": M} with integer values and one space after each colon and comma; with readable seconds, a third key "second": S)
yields {"hour": 7, "minute": 35}
